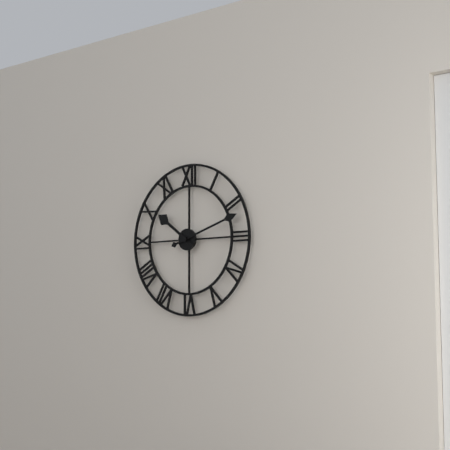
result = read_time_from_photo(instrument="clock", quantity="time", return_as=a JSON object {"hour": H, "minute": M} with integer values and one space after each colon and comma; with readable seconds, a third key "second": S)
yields {"hour": 10, "minute": 12}
